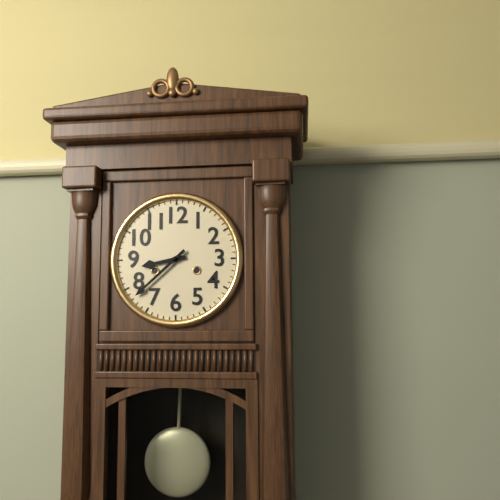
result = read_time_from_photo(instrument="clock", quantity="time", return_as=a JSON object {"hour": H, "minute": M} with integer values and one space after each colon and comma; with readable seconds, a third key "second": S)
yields {"hour": 8, "minute": 38}
